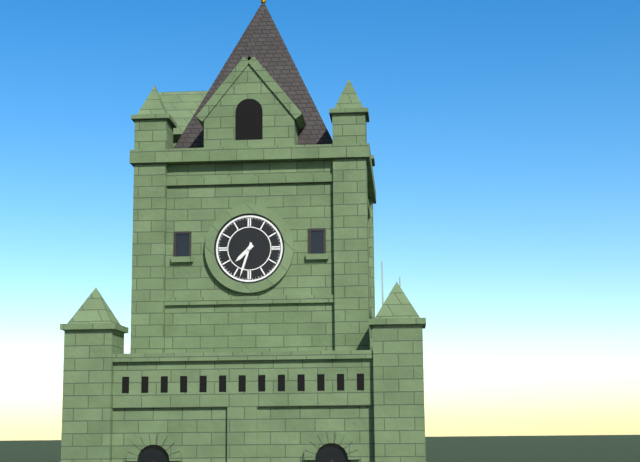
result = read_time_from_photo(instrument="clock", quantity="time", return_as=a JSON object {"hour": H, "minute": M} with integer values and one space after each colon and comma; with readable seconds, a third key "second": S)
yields {"hour": 7, "minute": 33}
